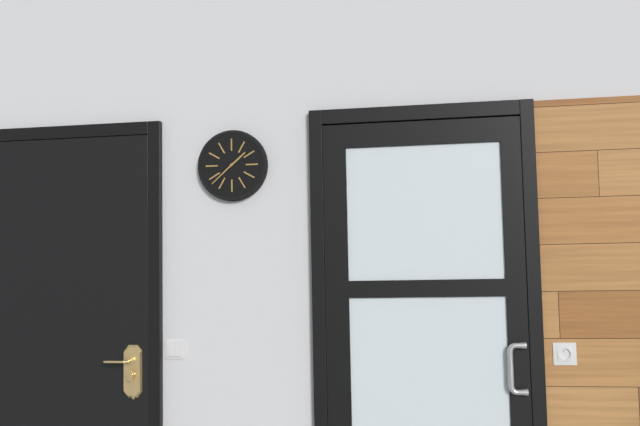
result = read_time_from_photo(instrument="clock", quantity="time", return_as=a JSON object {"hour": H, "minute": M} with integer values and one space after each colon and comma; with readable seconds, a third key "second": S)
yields {"hour": 1, "minute": 38}
